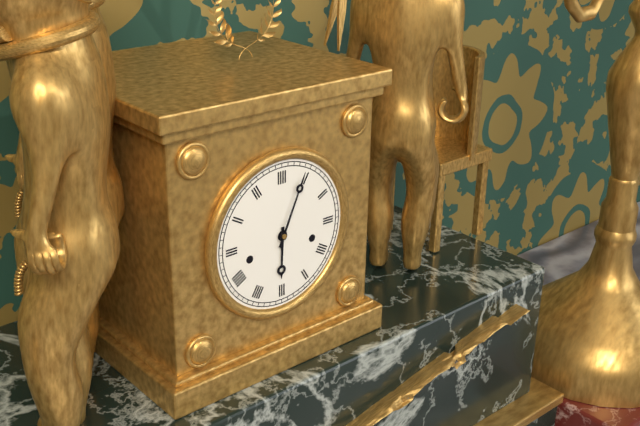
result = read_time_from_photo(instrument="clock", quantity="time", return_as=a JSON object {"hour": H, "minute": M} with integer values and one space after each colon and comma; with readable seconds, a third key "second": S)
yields {"hour": 6, "minute": 4}
